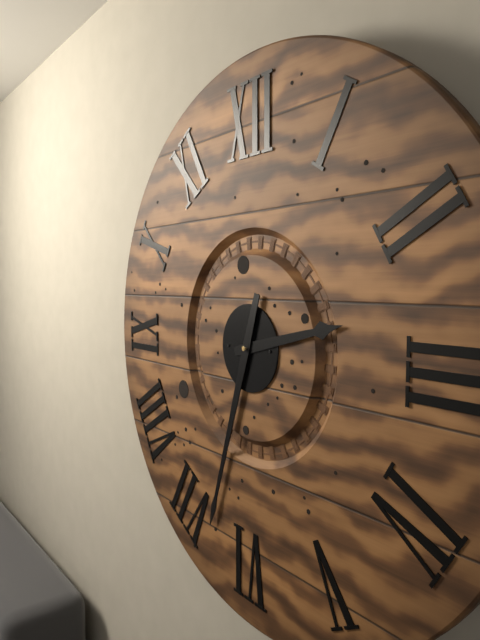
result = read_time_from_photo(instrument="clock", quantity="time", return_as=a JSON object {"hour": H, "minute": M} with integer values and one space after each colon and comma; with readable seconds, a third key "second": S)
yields {"hour": 2, "minute": 33}
